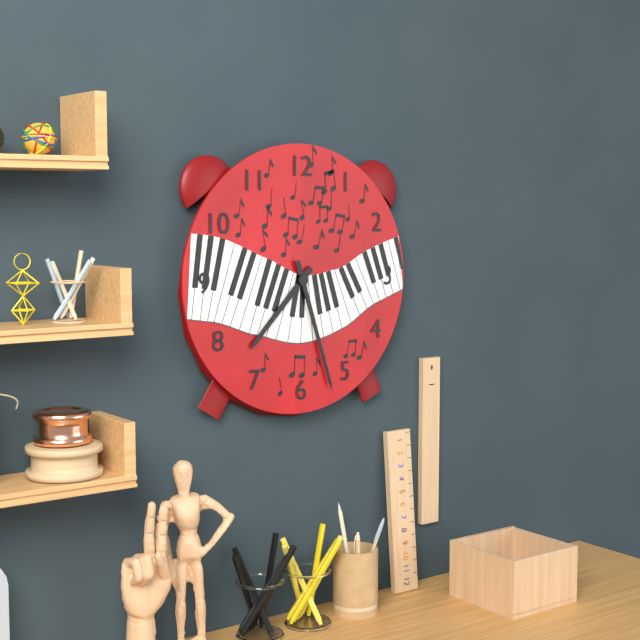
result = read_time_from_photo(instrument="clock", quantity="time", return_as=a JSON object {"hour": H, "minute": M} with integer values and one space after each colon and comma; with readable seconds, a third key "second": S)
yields {"hour": 7, "minute": 27}
